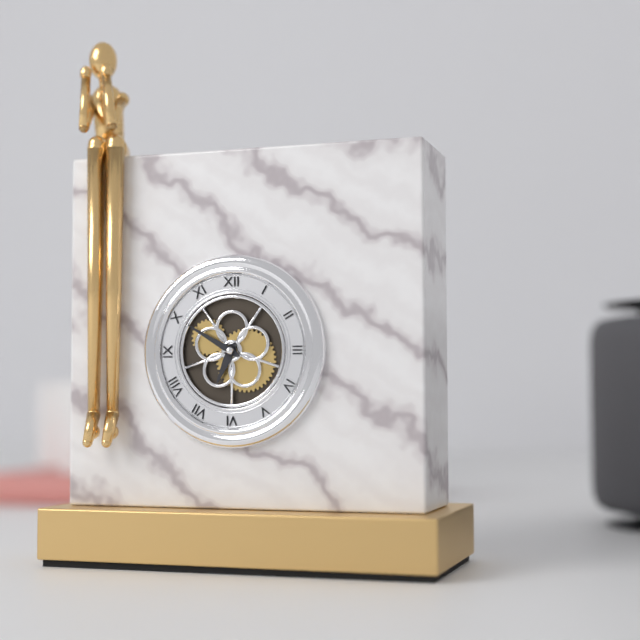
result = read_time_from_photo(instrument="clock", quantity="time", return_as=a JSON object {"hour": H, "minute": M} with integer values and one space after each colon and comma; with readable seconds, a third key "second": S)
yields {"hour": 6, "minute": 50}
